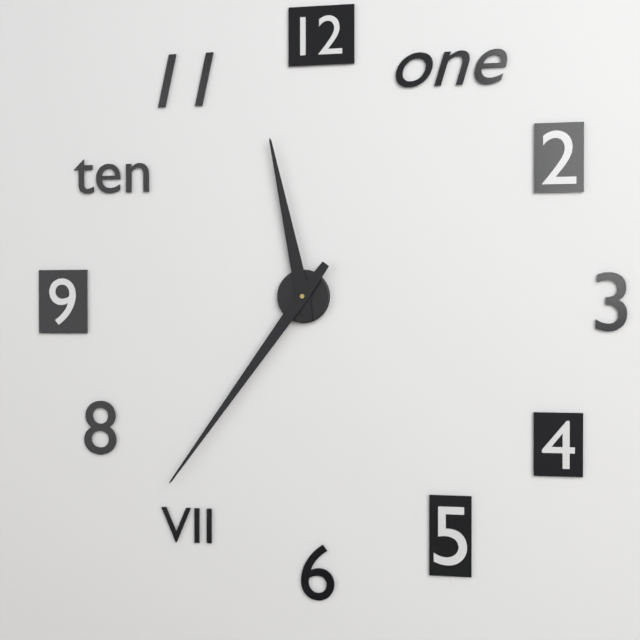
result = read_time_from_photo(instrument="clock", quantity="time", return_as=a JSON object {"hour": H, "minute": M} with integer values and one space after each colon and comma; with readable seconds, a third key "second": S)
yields {"hour": 11, "minute": 36}
